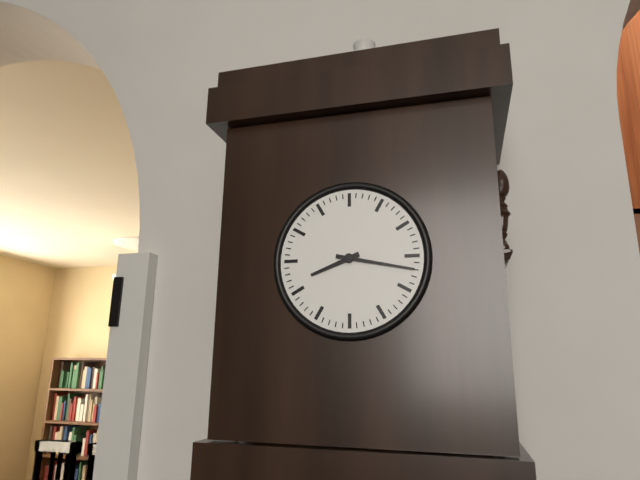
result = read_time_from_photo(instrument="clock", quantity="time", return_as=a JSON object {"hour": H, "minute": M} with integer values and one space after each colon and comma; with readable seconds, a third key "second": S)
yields {"hour": 8, "minute": 17}
